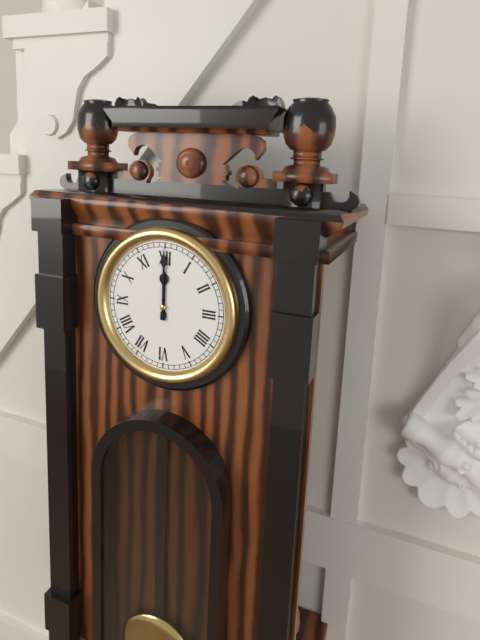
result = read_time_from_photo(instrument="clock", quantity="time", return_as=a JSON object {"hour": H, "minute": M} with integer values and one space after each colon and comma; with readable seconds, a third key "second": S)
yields {"hour": 12, "minute": 0}
